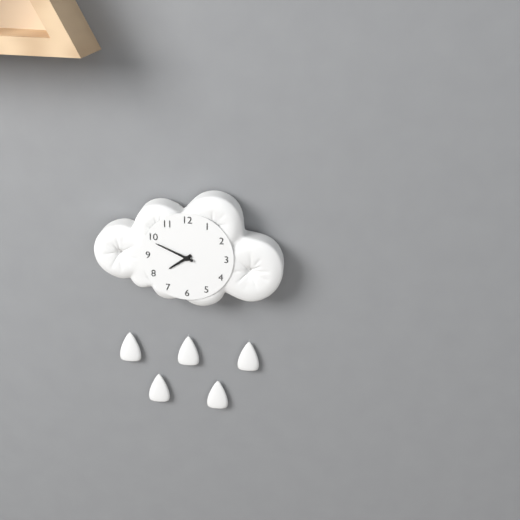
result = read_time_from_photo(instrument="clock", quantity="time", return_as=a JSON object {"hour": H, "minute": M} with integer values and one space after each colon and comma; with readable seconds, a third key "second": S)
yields {"hour": 7, "minute": 49}
